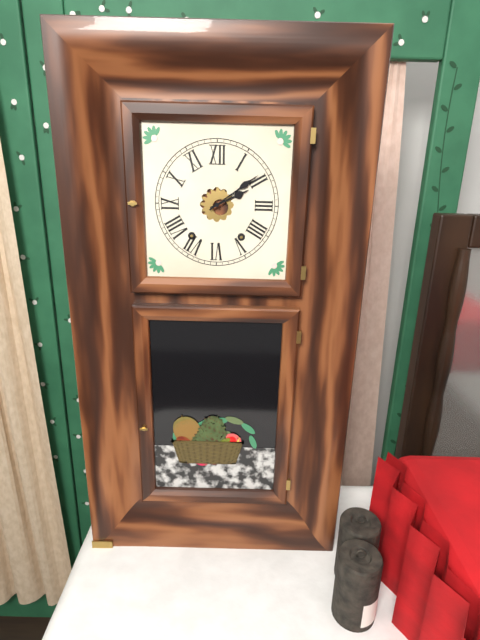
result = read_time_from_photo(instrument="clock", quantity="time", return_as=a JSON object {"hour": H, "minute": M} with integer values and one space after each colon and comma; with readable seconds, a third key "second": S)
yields {"hour": 2, "minute": 9}
